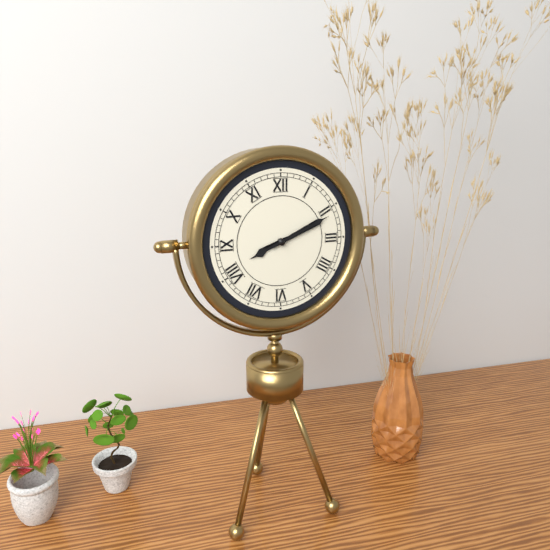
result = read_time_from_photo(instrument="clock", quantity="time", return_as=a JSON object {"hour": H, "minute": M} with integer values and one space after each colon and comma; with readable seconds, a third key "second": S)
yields {"hour": 8, "minute": 11}
